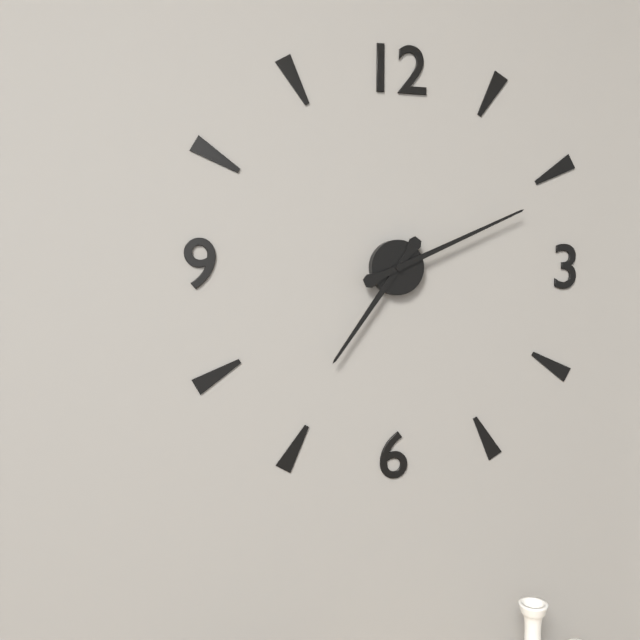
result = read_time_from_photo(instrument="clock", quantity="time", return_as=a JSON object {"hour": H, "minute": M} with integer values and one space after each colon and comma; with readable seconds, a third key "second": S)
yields {"hour": 7, "minute": 11}
